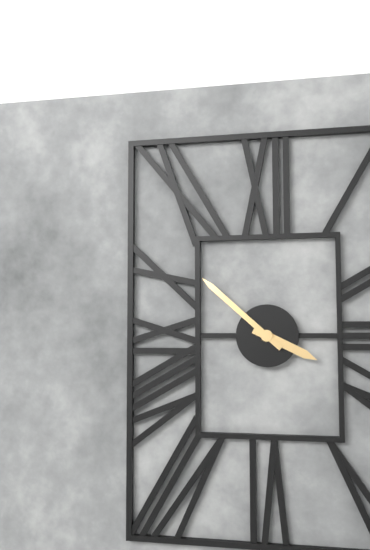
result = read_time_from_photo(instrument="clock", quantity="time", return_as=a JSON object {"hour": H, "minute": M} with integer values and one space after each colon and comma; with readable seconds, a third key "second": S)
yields {"hour": 3, "minute": 52}
